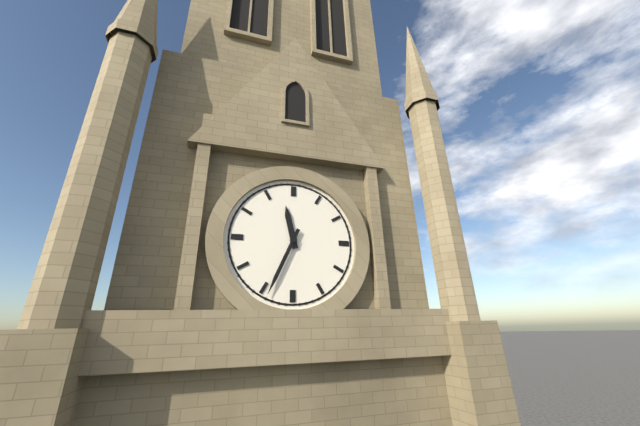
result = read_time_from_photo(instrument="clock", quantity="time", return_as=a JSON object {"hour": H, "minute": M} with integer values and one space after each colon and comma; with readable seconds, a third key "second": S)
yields {"hour": 11, "minute": 34}
